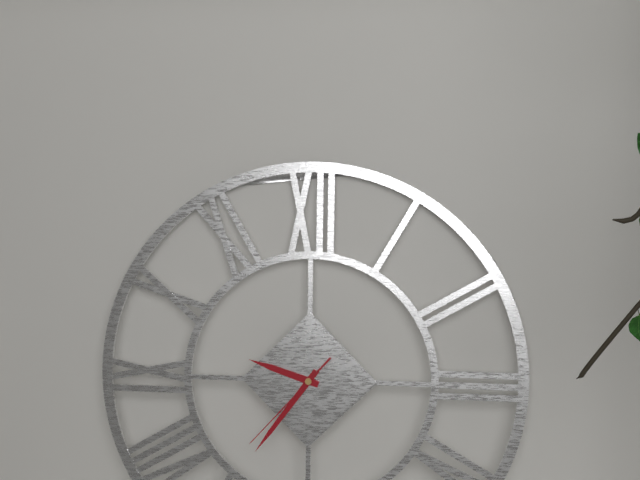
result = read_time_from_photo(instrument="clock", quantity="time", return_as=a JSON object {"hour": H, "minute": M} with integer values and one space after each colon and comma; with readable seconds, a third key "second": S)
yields {"hour": 9, "minute": 36, "second": 37}
